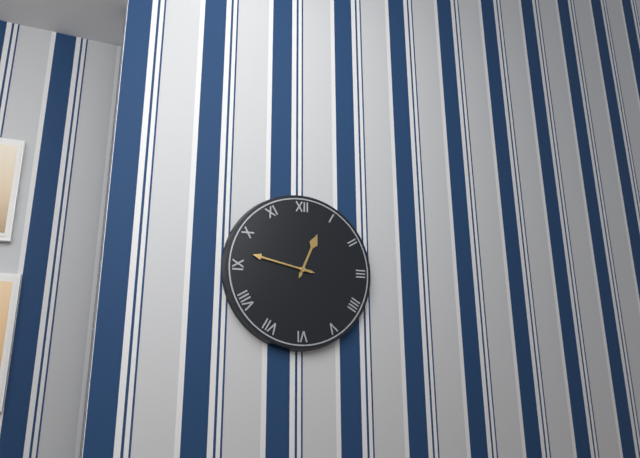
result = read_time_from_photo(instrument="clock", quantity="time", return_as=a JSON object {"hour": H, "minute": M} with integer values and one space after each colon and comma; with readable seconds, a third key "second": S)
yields {"hour": 12, "minute": 47}
